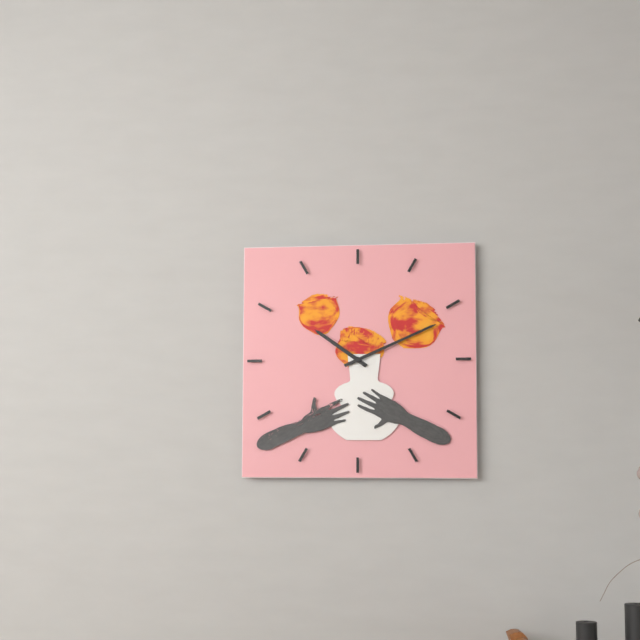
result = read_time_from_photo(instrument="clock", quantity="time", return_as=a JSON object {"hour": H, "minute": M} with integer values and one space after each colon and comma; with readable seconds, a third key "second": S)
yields {"hour": 10, "minute": 11}
